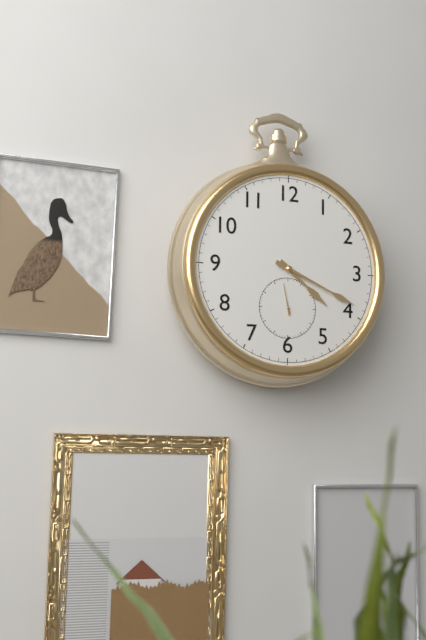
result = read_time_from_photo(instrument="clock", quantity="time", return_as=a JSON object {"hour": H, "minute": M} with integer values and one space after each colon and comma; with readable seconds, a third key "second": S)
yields {"hour": 4, "minute": 19}
